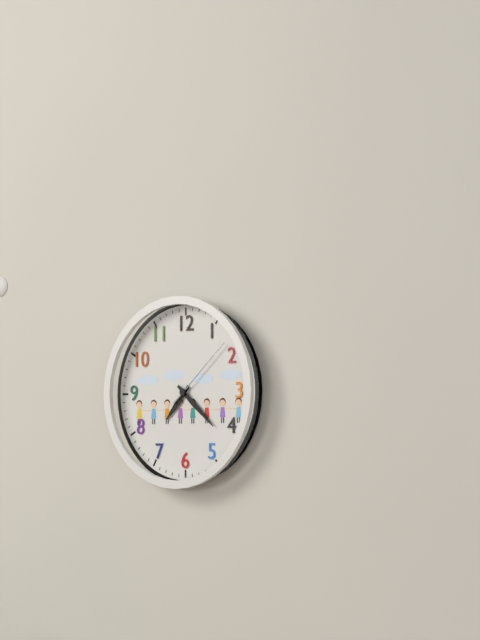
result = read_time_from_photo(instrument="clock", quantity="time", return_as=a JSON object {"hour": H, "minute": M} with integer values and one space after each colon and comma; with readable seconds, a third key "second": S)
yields {"hour": 7, "minute": 22, "second": 8}
